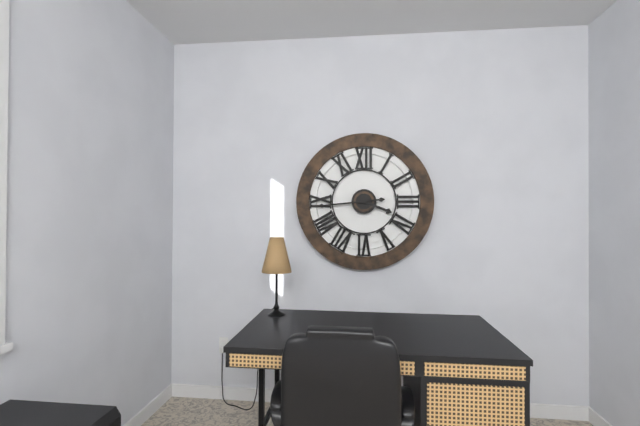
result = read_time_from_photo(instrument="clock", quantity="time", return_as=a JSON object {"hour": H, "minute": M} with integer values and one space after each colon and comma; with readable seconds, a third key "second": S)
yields {"hour": 3, "minute": 44}
